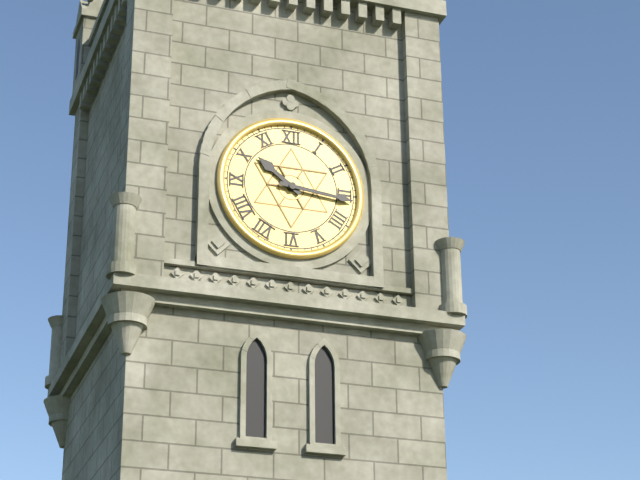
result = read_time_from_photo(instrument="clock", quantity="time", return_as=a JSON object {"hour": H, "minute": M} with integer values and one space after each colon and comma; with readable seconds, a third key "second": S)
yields {"hour": 10, "minute": 16}
